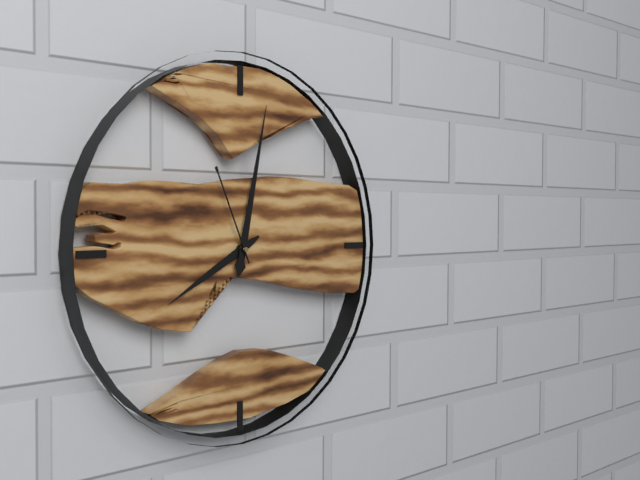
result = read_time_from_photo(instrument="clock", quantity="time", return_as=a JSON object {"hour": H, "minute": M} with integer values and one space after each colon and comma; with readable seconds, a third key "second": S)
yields {"hour": 8, "minute": 2, "second": 56}
